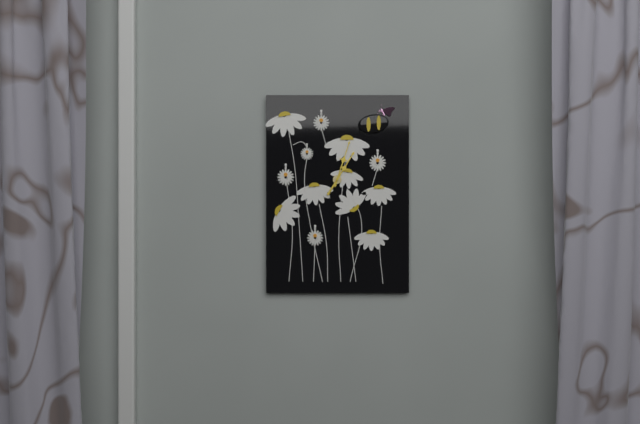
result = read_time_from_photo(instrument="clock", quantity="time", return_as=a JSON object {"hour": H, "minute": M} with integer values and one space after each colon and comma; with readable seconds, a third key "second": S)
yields {"hour": 1, "minute": 3}
